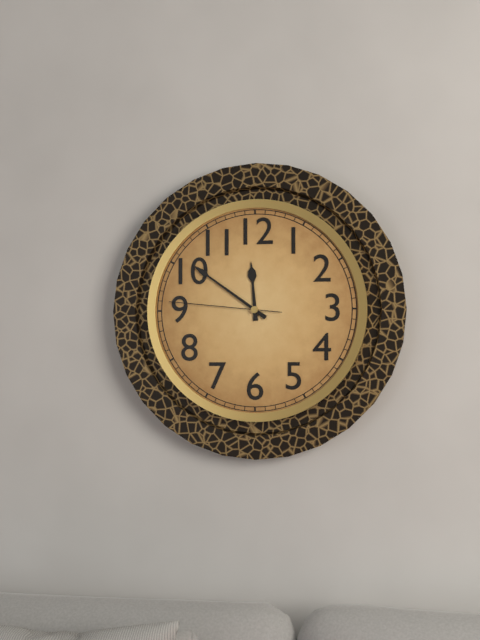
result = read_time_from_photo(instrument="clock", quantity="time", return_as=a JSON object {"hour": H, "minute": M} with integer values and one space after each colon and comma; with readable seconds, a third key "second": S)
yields {"hour": 11, "minute": 51, "second": 46}
